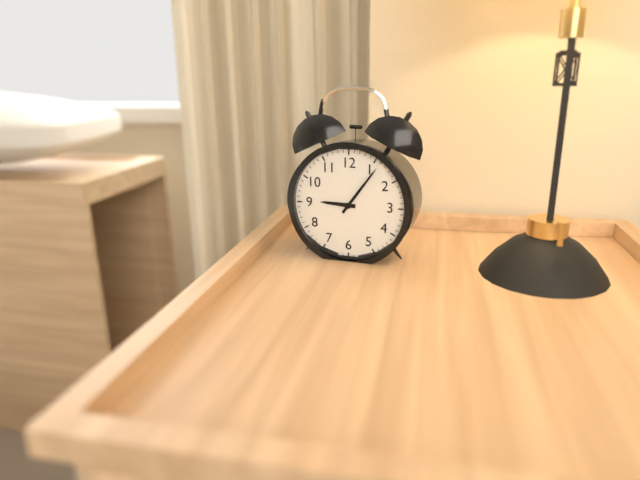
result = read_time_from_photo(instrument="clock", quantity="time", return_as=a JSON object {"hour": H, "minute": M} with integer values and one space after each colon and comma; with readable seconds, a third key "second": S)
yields {"hour": 9, "minute": 6}
